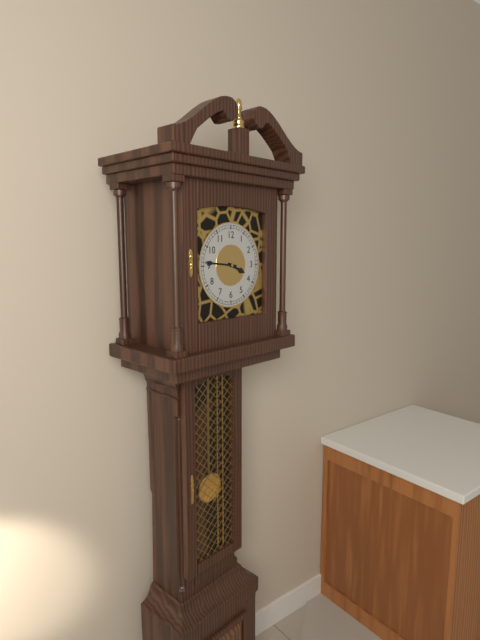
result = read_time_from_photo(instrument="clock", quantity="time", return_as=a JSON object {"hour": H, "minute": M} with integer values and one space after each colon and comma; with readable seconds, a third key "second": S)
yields {"hour": 3, "minute": 46}
